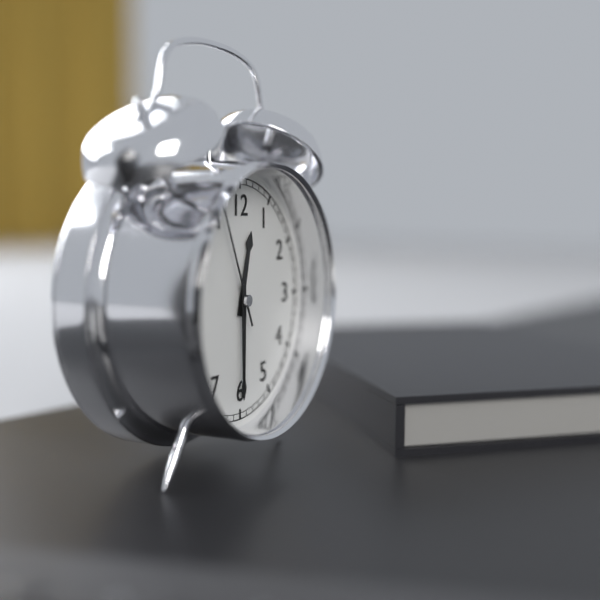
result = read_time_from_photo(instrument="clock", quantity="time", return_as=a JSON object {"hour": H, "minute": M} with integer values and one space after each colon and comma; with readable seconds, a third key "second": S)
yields {"hour": 12, "minute": 30, "second": 56}
